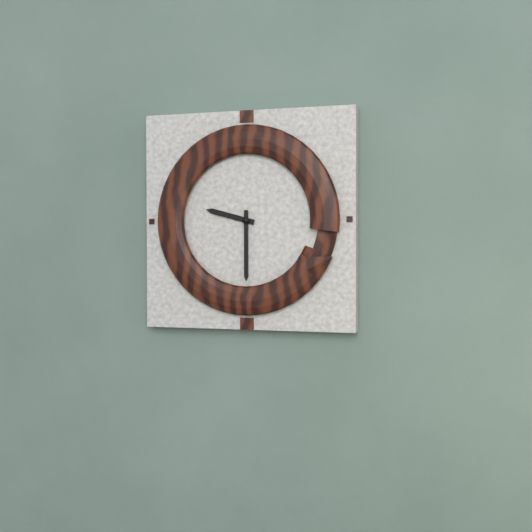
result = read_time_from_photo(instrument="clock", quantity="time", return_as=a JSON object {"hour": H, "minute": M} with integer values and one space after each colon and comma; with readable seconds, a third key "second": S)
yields {"hour": 9, "minute": 30}
